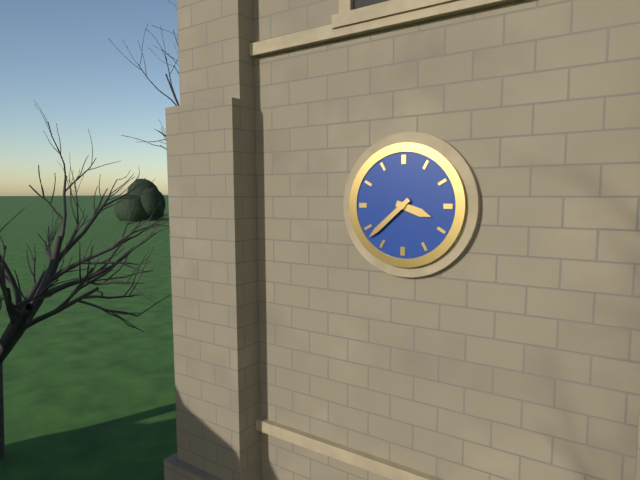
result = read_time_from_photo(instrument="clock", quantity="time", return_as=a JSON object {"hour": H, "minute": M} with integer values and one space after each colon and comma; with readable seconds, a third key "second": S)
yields {"hour": 3, "minute": 38}
